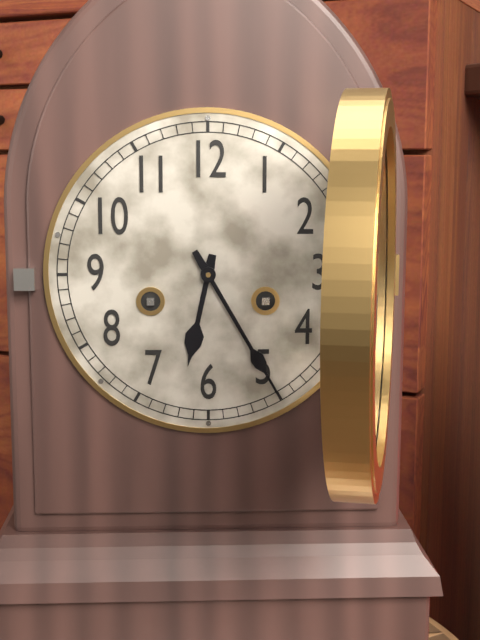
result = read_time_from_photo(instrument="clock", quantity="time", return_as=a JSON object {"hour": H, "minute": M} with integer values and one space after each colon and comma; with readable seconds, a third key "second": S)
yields {"hour": 6, "minute": 25}
